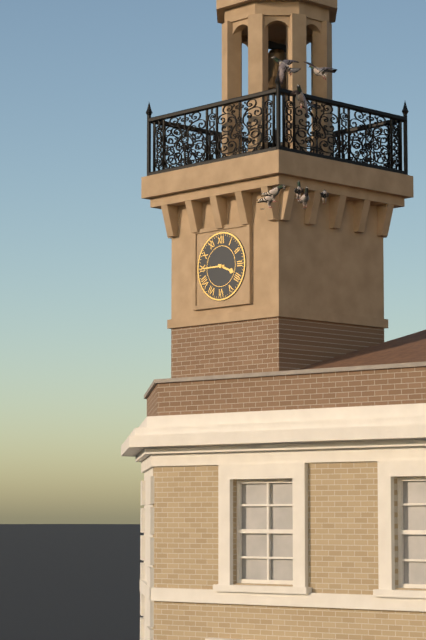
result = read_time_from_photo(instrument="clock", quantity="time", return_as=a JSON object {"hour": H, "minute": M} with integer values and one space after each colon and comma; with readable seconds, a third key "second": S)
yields {"hour": 3, "minute": 45}
